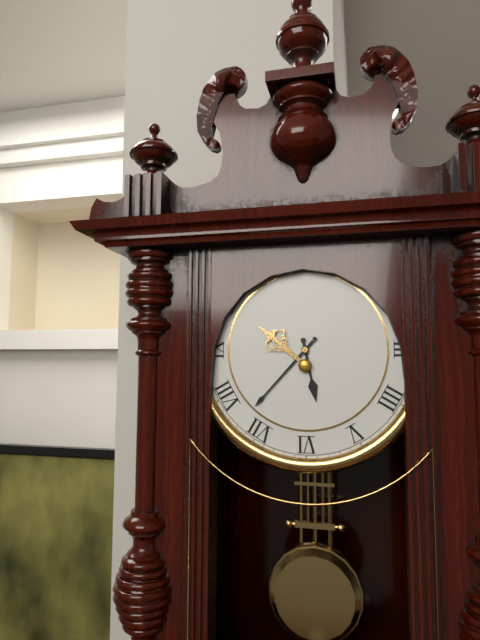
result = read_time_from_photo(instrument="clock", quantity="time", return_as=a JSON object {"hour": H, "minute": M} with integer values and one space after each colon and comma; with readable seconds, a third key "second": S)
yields {"hour": 5, "minute": 37}
